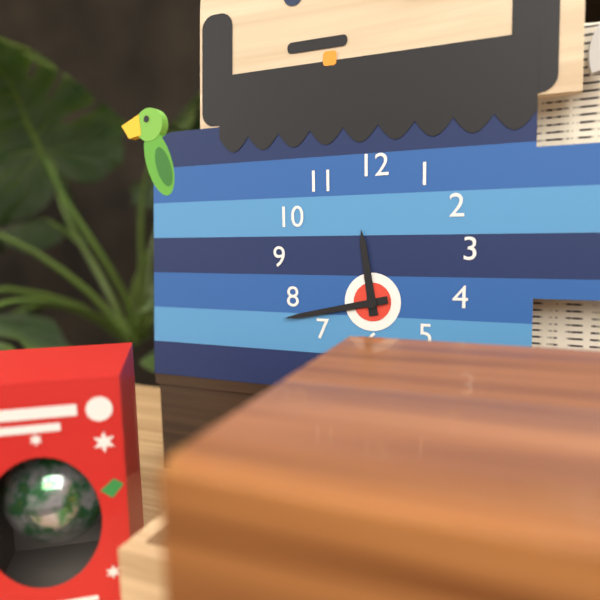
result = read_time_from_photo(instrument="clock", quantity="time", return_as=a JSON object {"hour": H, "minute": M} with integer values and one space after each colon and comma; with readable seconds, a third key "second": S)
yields {"hour": 11, "minute": 43}
